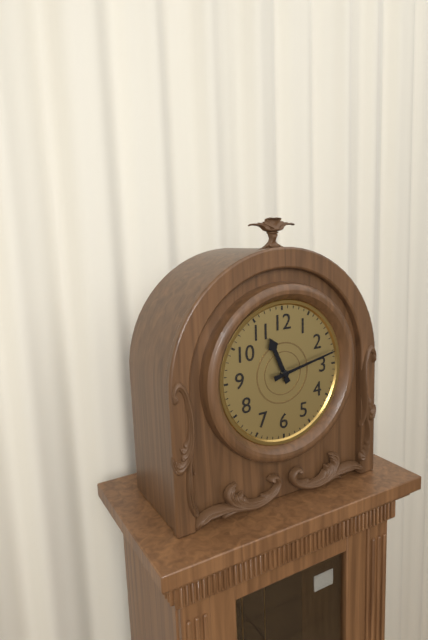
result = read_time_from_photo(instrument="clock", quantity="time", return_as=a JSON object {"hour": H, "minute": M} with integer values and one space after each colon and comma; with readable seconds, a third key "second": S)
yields {"hour": 11, "minute": 13}
